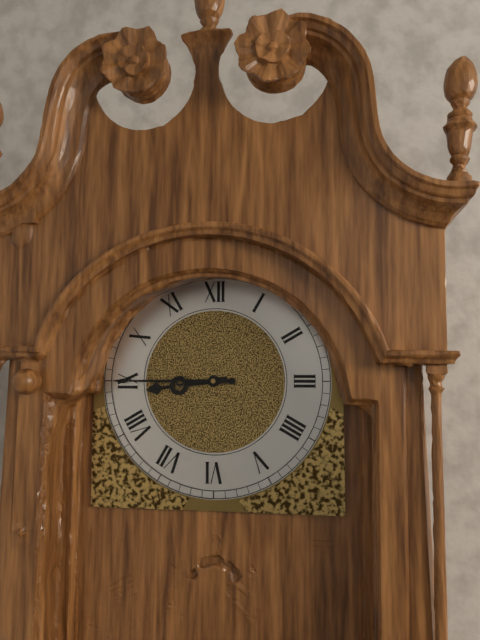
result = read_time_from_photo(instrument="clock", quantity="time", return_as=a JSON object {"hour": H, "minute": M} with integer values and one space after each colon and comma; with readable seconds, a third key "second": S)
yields {"hour": 8, "minute": 45}
